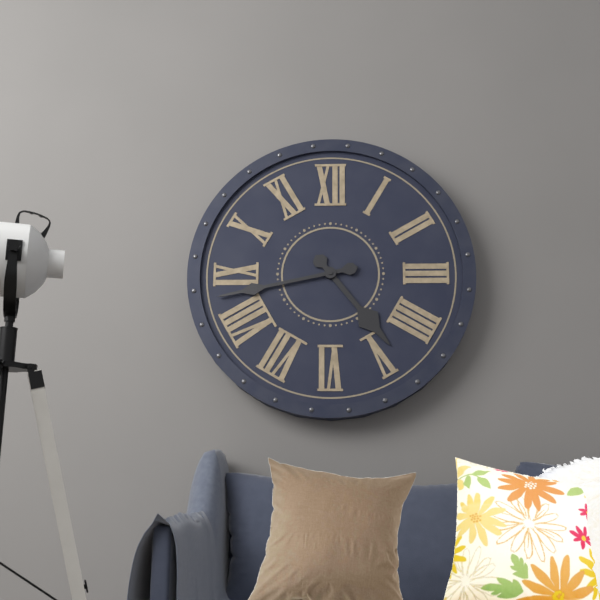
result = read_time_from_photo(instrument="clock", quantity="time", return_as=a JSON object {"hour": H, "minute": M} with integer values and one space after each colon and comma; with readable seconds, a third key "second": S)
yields {"hour": 4, "minute": 43}
